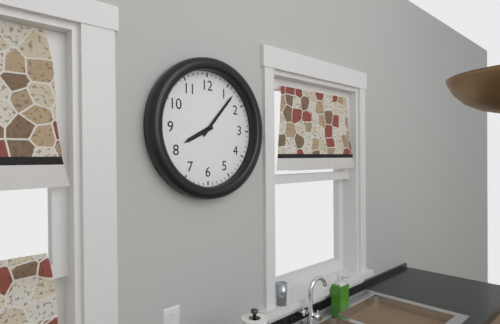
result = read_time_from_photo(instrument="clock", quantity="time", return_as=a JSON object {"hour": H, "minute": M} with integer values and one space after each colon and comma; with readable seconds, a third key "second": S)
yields {"hour": 8, "minute": 7}
